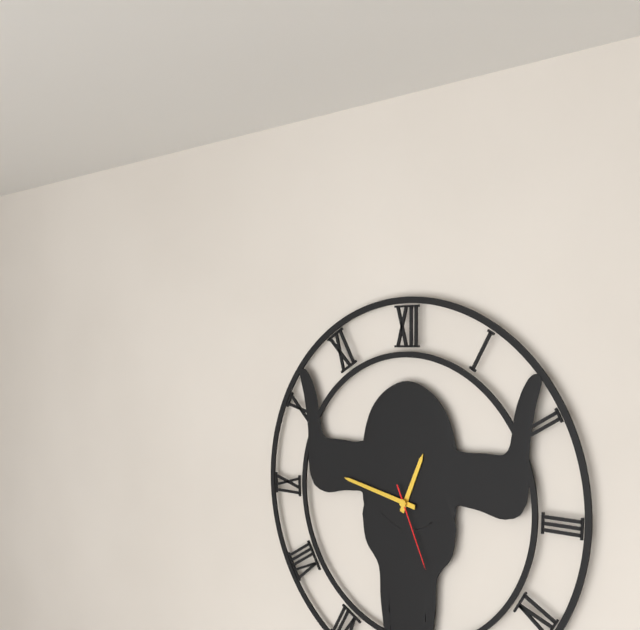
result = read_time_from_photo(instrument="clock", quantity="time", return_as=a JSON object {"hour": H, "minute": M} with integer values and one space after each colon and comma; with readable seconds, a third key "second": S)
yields {"hour": 12, "minute": 47, "second": 26}
